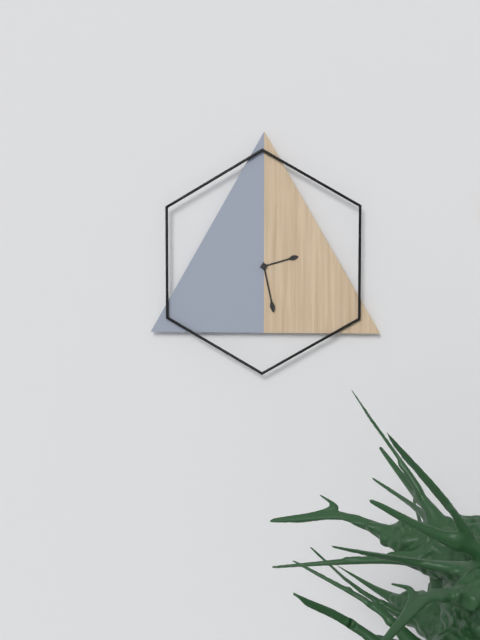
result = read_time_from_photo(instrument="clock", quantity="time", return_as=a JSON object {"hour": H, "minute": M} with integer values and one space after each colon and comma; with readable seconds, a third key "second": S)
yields {"hour": 2, "minute": 28}
